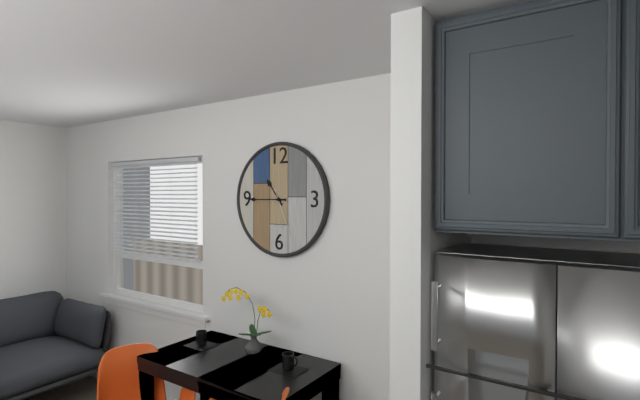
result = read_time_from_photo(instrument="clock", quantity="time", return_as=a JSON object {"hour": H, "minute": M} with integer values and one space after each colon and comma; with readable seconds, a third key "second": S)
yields {"hour": 10, "minute": 45, "second": 26}
